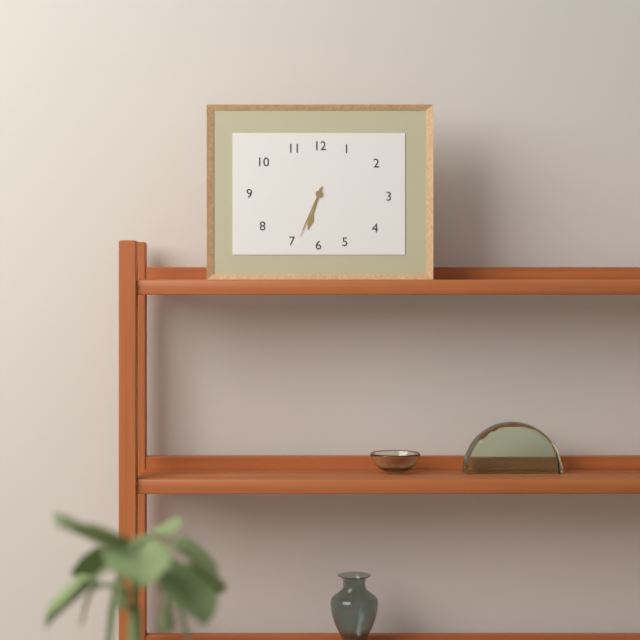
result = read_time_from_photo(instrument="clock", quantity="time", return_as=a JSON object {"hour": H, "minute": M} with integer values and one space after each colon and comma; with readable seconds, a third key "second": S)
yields {"hour": 6, "minute": 34}
